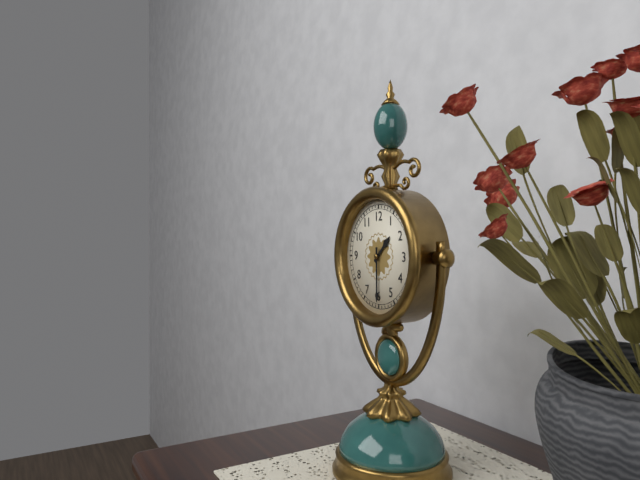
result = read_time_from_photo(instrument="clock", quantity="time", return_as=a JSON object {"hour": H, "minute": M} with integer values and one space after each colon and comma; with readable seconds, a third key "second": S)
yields {"hour": 1, "minute": 30}
